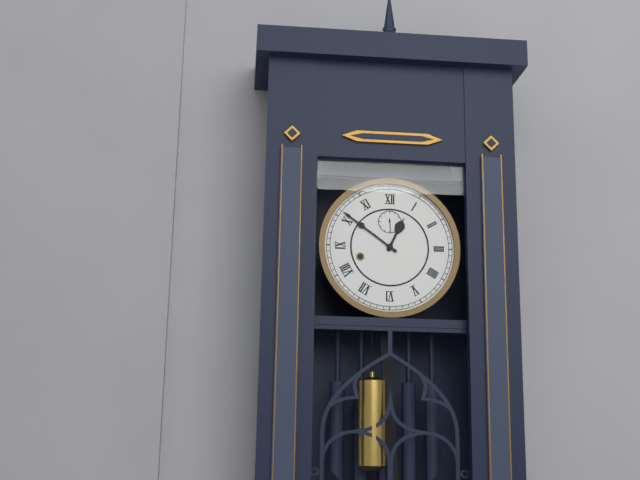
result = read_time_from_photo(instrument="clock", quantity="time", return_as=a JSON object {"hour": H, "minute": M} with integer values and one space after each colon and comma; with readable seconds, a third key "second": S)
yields {"hour": 12, "minute": 51}
